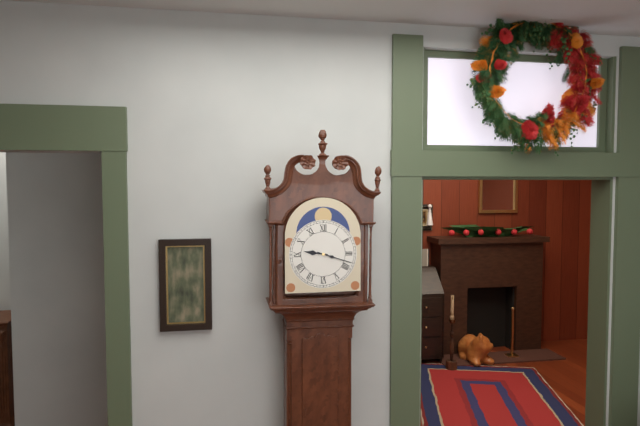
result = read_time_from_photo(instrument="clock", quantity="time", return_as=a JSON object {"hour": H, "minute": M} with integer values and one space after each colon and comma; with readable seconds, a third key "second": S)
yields {"hour": 9, "minute": 18}
